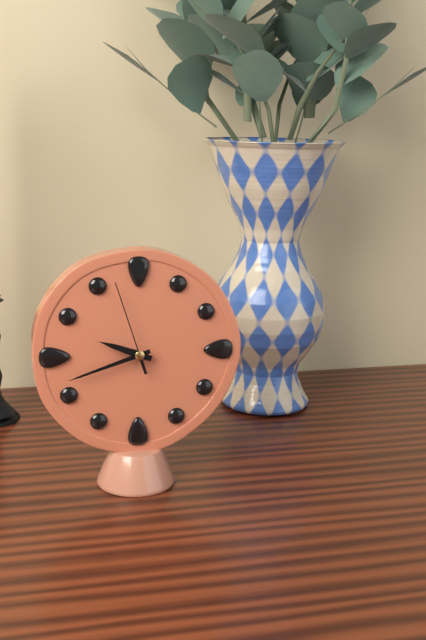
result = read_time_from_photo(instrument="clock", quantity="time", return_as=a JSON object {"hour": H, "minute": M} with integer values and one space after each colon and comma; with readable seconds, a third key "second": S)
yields {"hour": 9, "minute": 42, "second": 57}
